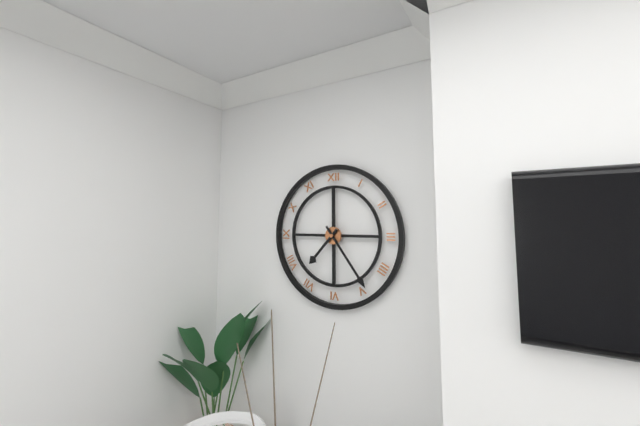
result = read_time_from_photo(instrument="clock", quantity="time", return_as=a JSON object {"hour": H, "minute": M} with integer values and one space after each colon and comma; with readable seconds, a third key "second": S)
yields {"hour": 7, "minute": 24}
